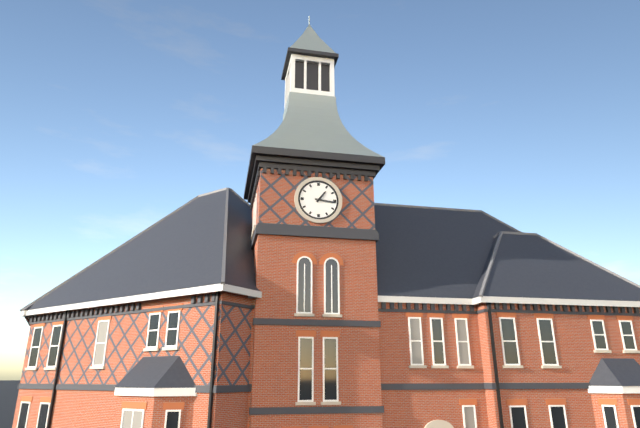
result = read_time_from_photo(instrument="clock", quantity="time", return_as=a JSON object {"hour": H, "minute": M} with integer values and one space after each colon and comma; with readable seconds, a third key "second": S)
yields {"hour": 1, "minute": 16}
